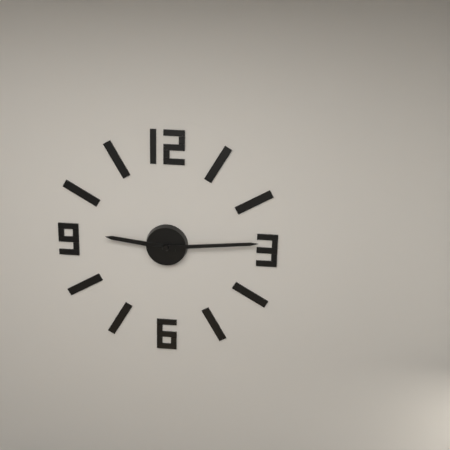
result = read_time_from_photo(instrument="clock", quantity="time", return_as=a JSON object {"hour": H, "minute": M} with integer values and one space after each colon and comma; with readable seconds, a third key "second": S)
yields {"hour": 9, "minute": 14}
